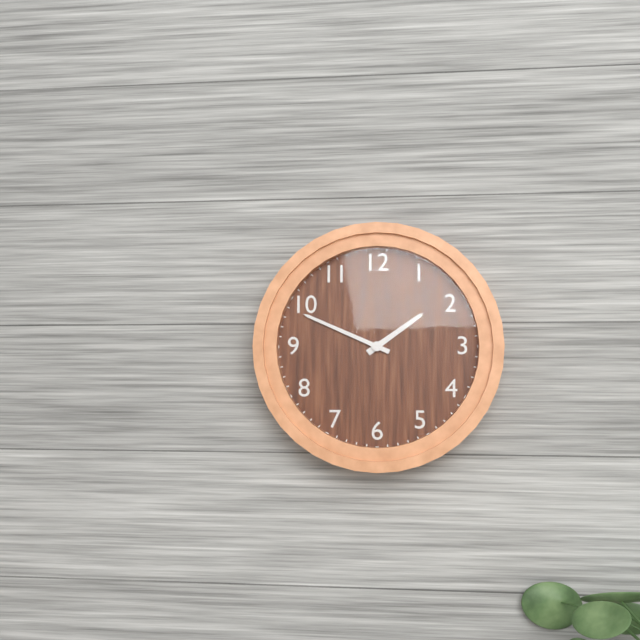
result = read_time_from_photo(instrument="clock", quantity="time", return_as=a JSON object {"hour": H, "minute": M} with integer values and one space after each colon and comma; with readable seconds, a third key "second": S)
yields {"hour": 1, "minute": 49}
